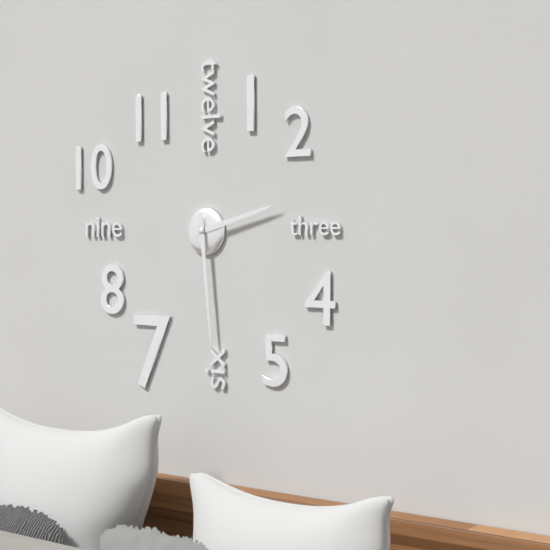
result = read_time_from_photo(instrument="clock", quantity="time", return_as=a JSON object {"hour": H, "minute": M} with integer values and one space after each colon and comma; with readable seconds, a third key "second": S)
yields {"hour": 2, "minute": 29}
